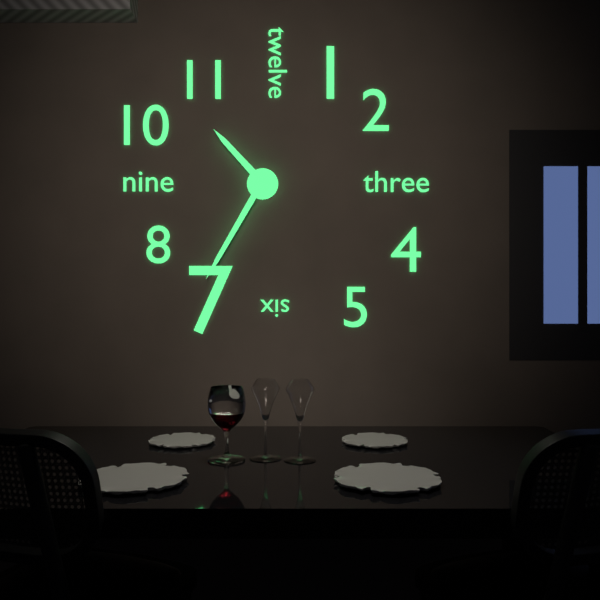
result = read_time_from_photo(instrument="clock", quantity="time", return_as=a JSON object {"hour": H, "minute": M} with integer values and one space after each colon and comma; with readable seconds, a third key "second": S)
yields {"hour": 10, "minute": 35}
